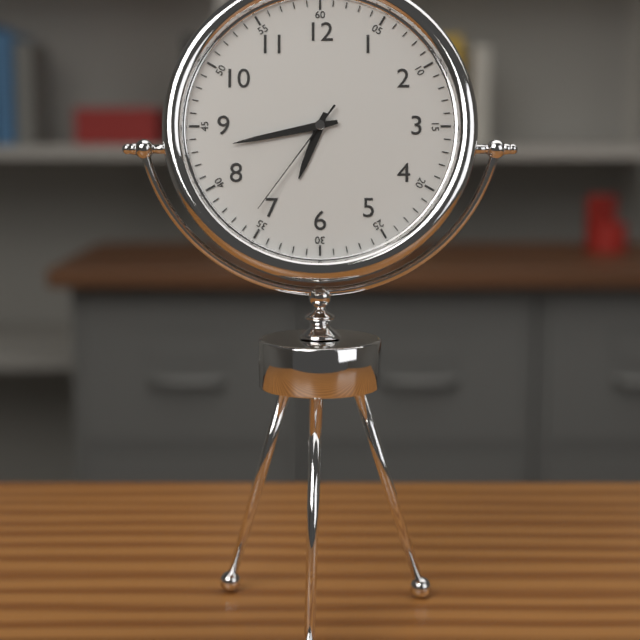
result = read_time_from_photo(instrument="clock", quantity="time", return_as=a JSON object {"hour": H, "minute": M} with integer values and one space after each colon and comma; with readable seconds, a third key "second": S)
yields {"hour": 6, "minute": 43, "second": 36}
